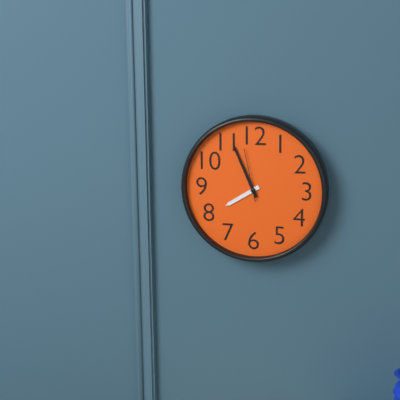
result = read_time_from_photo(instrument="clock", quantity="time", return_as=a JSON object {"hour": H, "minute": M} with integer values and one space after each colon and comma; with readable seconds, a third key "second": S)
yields {"hour": 7, "minute": 56, "second": 58}
